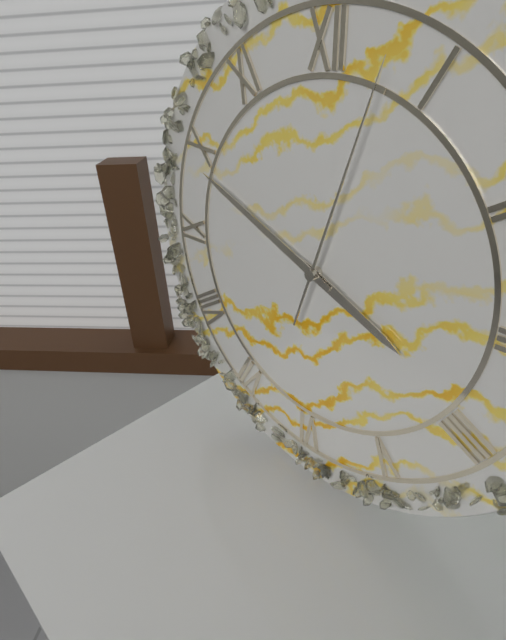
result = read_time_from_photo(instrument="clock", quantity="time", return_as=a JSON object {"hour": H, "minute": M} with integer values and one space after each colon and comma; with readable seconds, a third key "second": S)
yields {"hour": 3, "minute": 49, "second": 3}
